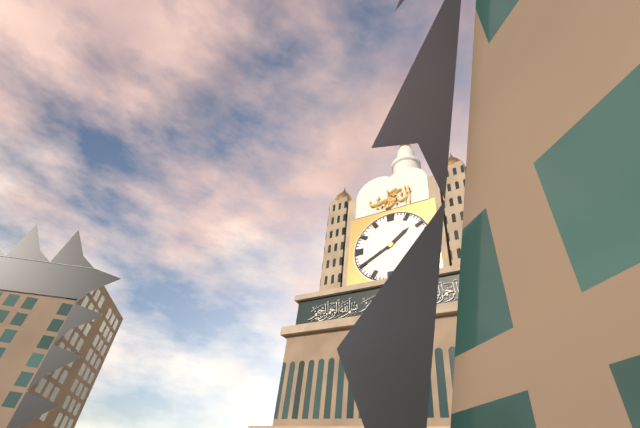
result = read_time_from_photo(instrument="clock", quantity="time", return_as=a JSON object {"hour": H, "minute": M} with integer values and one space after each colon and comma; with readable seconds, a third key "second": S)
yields {"hour": 1, "minute": 40}
